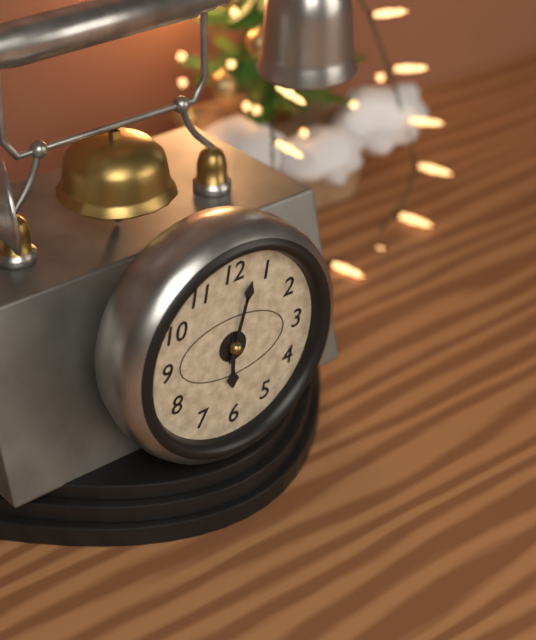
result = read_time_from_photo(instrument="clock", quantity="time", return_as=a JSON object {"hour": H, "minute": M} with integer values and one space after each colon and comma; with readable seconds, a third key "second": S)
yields {"hour": 6, "minute": 3}
